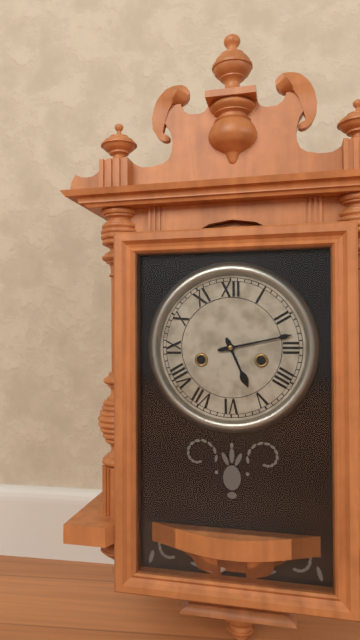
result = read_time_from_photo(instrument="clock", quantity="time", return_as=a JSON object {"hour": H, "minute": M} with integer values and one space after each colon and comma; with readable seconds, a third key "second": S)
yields {"hour": 5, "minute": 13}
